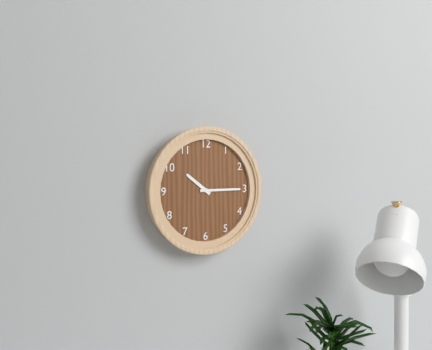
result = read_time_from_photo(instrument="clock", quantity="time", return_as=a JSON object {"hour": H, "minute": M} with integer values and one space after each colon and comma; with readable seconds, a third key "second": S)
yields {"hour": 10, "minute": 15}
